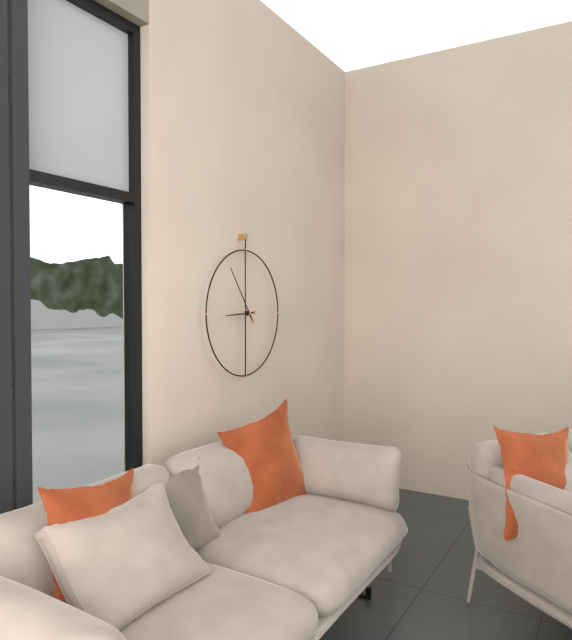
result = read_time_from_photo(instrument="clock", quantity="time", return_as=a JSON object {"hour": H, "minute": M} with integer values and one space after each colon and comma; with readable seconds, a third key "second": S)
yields {"hour": 8, "minute": 54}
